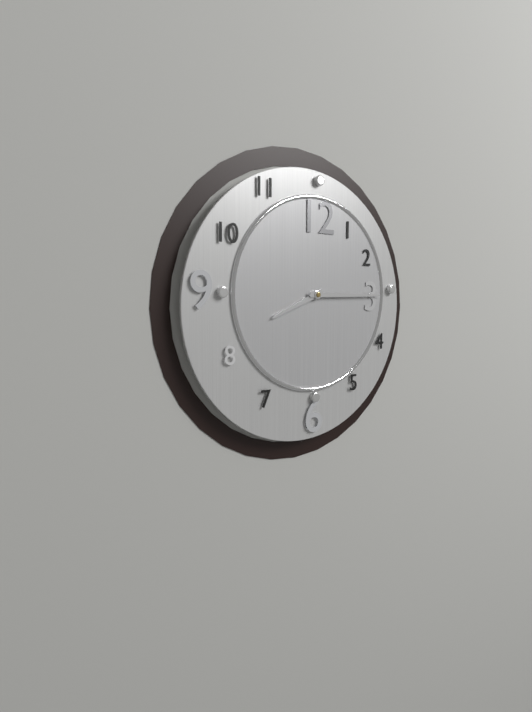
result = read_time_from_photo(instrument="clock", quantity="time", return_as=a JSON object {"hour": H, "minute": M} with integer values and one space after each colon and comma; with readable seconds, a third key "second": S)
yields {"hour": 8, "minute": 15}
